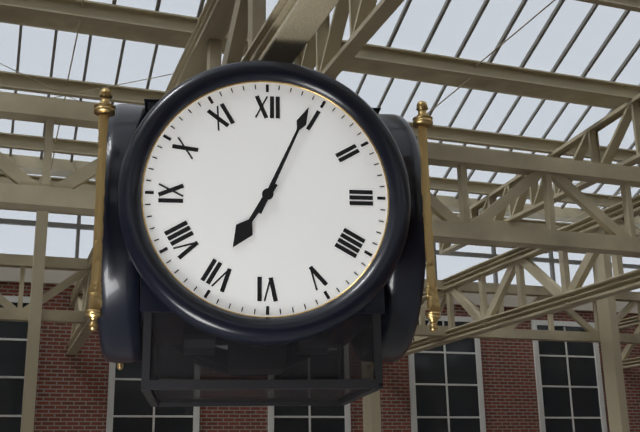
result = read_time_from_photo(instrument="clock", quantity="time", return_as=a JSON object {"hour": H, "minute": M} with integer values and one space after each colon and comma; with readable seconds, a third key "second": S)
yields {"hour": 7, "minute": 4}
